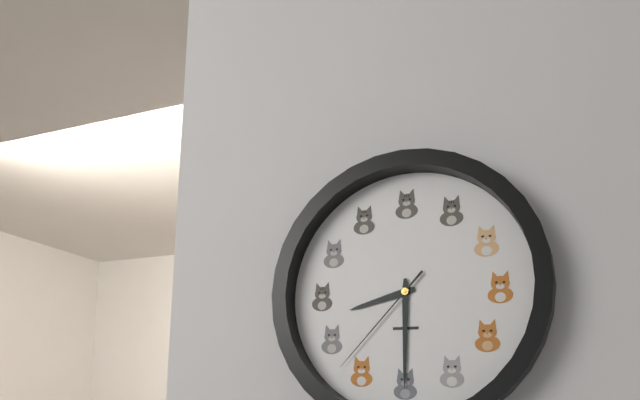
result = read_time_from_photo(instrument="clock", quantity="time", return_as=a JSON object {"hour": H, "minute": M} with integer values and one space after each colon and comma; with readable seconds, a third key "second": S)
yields {"hour": 8, "minute": 30, "second": 37}
